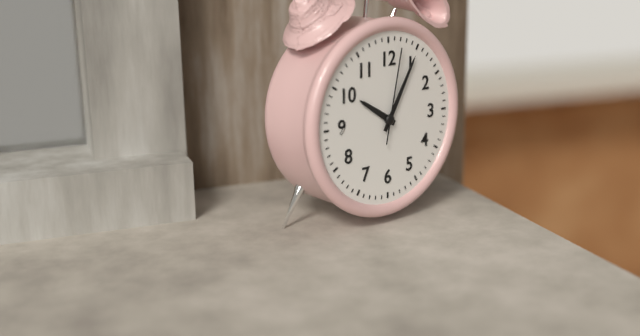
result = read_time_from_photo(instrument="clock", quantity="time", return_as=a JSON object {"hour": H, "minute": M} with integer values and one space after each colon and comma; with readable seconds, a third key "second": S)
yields {"hour": 10, "minute": 5, "second": 2}
